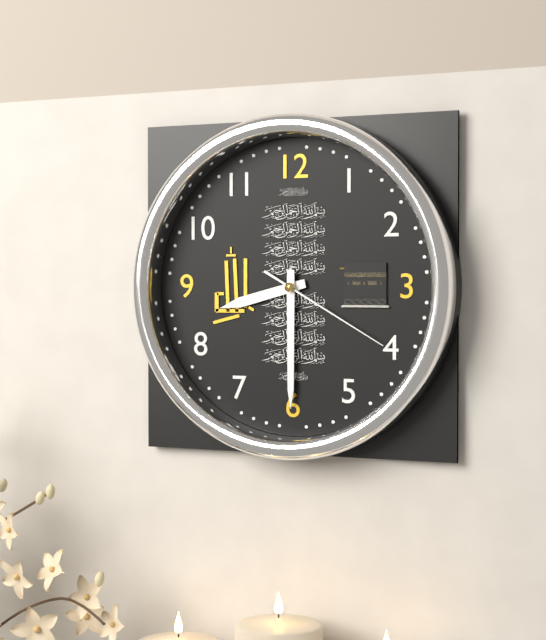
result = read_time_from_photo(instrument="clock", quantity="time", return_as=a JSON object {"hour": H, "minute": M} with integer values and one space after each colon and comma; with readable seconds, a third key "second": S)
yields {"hour": 8, "minute": 30, "second": 20}
